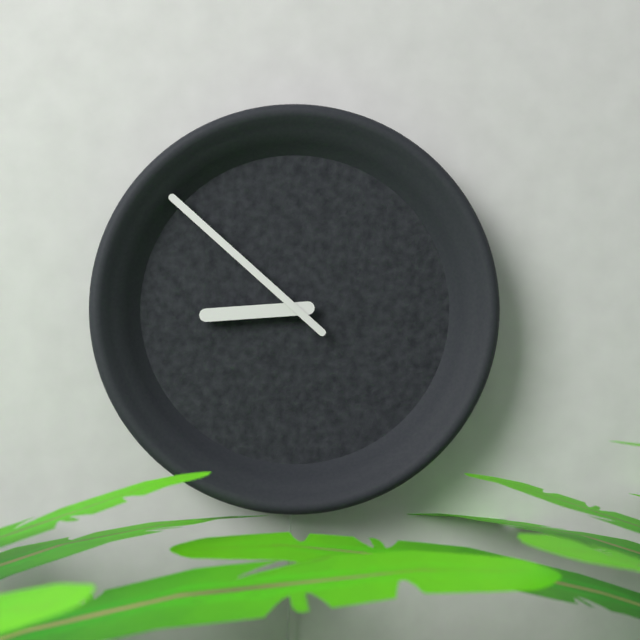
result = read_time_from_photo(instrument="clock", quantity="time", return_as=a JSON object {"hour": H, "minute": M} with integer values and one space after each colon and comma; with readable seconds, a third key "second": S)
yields {"hour": 8, "minute": 52}
